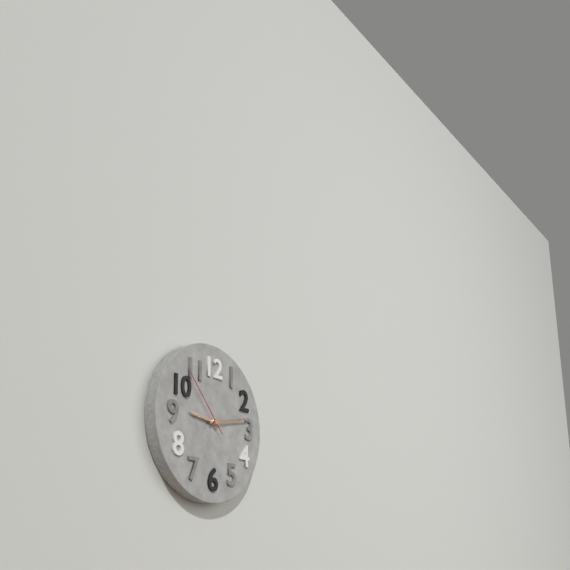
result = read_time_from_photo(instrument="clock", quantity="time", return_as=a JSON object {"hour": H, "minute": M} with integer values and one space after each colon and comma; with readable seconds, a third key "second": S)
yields {"hour": 9, "minute": 13, "second": 53}
